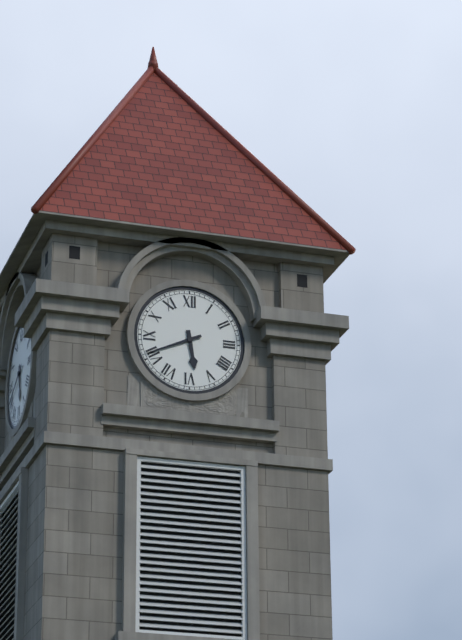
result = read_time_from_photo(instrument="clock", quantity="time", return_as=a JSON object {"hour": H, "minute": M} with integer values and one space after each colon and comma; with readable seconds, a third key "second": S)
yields {"hour": 5, "minute": 41}
